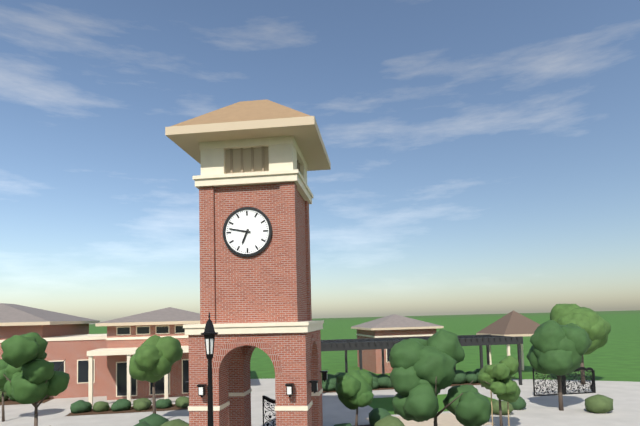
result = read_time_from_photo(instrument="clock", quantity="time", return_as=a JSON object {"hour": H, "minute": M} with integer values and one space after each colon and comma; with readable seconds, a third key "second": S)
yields {"hour": 6, "minute": 47}
